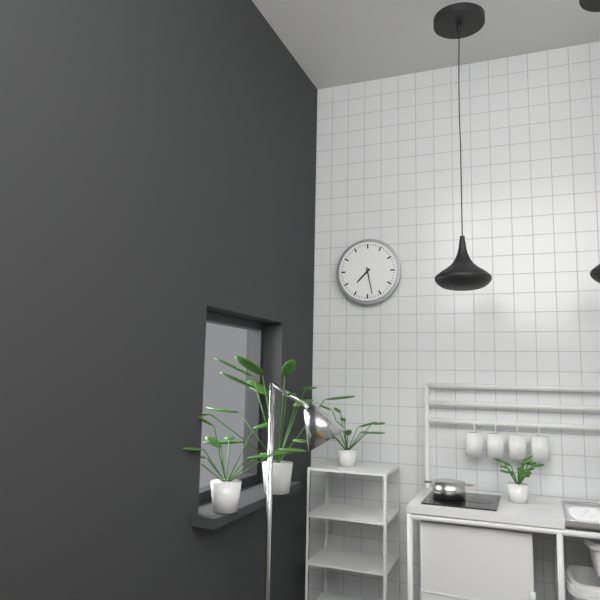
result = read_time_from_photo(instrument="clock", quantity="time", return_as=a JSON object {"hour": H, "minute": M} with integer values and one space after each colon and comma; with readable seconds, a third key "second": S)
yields {"hour": 7, "minute": 28}
